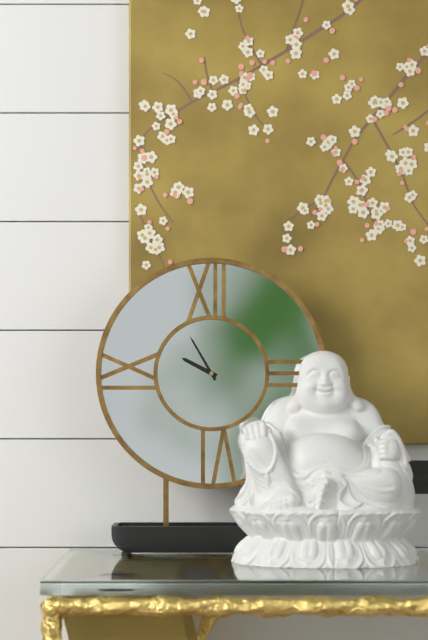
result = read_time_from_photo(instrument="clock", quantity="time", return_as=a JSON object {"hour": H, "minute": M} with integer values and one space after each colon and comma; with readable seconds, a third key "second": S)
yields {"hour": 9, "minute": 55}
